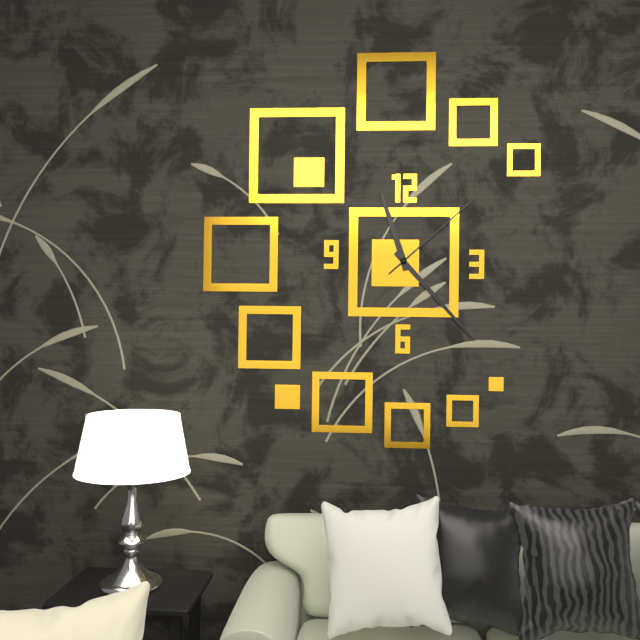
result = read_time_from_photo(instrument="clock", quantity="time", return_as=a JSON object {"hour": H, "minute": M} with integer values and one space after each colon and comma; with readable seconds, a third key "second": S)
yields {"hour": 11, "minute": 23, "second": 8}
